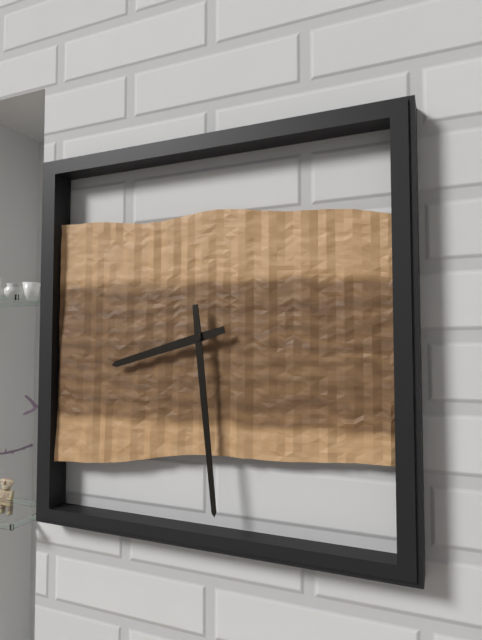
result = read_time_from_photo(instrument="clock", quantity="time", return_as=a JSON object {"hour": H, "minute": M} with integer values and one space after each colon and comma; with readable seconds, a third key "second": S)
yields {"hour": 8, "minute": 29}
